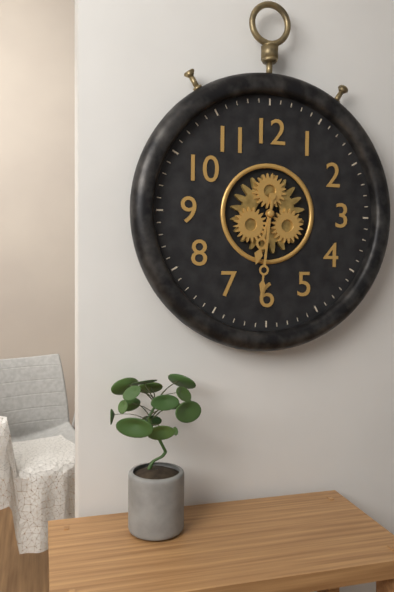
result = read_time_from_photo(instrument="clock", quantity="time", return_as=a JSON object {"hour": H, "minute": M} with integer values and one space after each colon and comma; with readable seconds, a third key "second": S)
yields {"hour": 6, "minute": 31}
